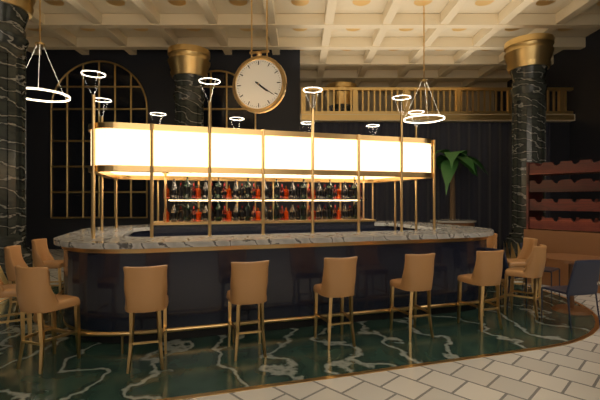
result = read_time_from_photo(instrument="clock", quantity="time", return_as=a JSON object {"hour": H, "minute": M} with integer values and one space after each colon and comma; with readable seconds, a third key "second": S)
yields {"hour": 4, "minute": 21}
